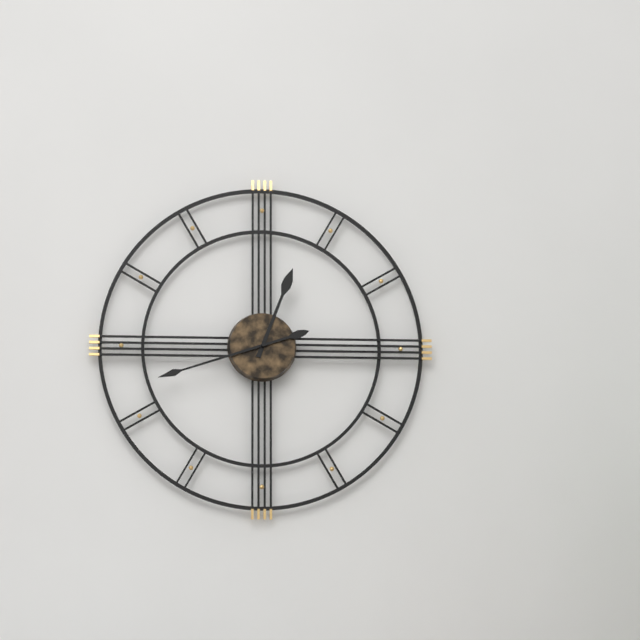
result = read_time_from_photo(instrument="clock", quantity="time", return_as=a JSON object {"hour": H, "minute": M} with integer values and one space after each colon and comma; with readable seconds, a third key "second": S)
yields {"hour": 12, "minute": 42}
